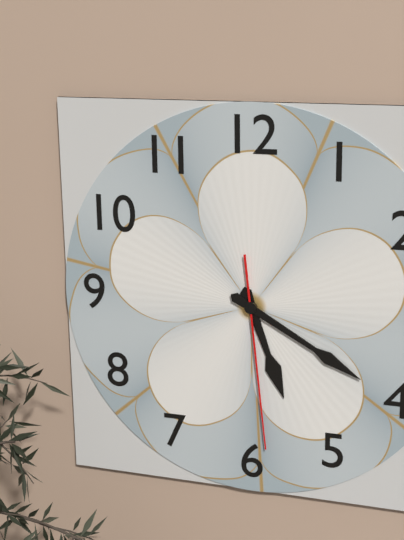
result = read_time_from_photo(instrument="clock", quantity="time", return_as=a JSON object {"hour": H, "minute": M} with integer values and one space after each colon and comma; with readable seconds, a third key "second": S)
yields {"hour": 5, "minute": 20, "second": 29}
